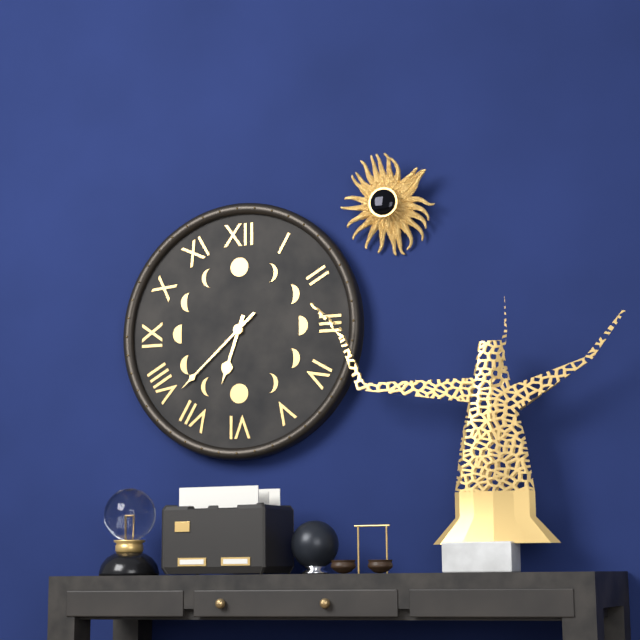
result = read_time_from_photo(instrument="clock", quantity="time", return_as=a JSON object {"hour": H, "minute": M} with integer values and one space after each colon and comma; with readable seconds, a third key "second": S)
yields {"hour": 6, "minute": 38}
